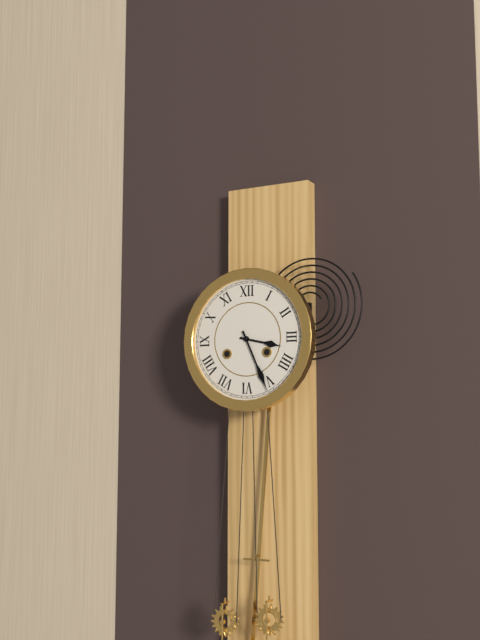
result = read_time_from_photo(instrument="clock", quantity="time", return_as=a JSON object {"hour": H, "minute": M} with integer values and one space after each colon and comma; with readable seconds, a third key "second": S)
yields {"hour": 3, "minute": 26}
